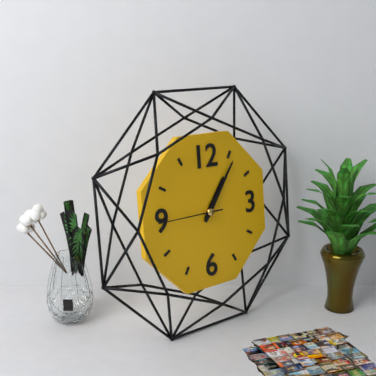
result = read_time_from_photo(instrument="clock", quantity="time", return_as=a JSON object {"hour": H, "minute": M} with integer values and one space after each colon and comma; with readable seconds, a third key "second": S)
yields {"hour": 1, "minute": 6, "second": 45}
